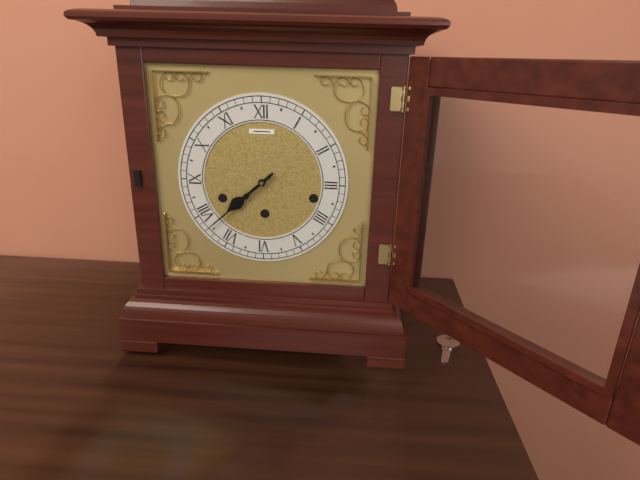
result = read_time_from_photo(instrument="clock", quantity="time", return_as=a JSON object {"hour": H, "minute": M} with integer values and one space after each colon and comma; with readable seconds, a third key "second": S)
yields {"hour": 7, "minute": 38}
